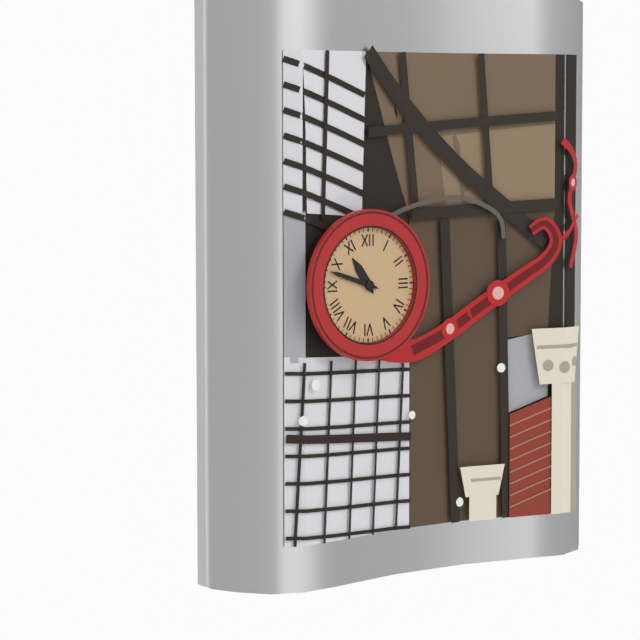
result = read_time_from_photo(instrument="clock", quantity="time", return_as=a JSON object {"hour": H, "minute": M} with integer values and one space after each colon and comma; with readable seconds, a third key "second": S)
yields {"hour": 10, "minute": 48}
